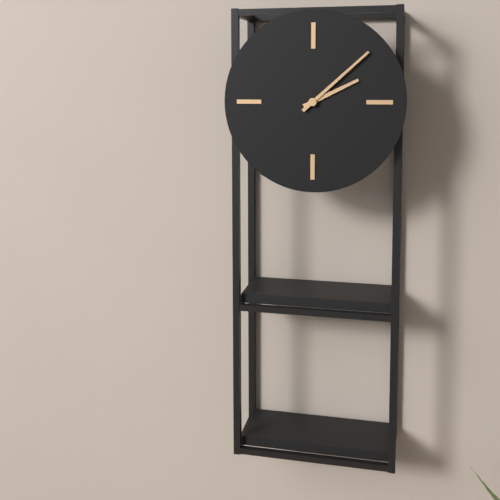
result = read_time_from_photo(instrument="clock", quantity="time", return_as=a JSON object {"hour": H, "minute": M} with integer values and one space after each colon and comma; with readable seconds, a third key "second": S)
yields {"hour": 2, "minute": 8}
